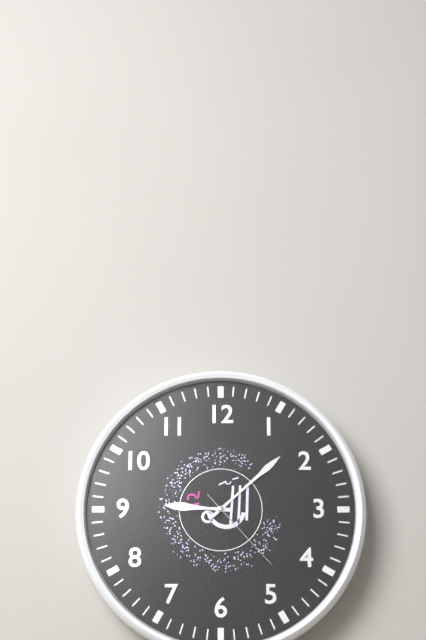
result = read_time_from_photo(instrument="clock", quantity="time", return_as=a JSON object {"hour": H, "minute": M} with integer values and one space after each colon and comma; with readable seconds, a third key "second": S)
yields {"hour": 9, "minute": 8, "second": 23}
